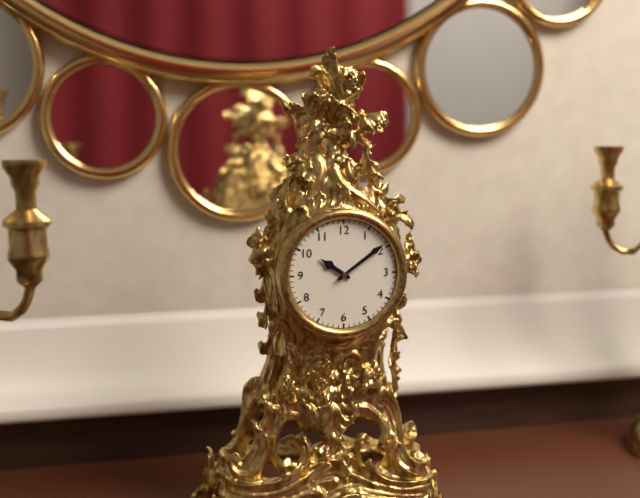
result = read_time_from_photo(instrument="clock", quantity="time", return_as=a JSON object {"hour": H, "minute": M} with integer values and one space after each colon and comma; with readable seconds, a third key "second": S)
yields {"hour": 10, "minute": 9}
